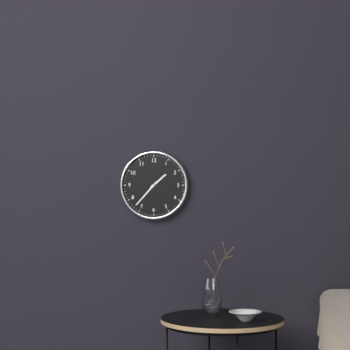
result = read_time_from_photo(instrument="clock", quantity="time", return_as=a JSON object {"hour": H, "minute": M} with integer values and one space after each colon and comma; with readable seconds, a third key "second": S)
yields {"hour": 1, "minute": 37}
